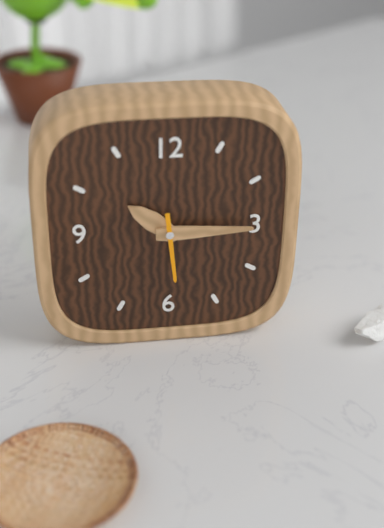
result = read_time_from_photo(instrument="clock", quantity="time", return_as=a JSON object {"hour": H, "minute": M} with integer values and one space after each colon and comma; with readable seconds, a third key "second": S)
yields {"hour": 10, "minute": 15, "second": 29}
